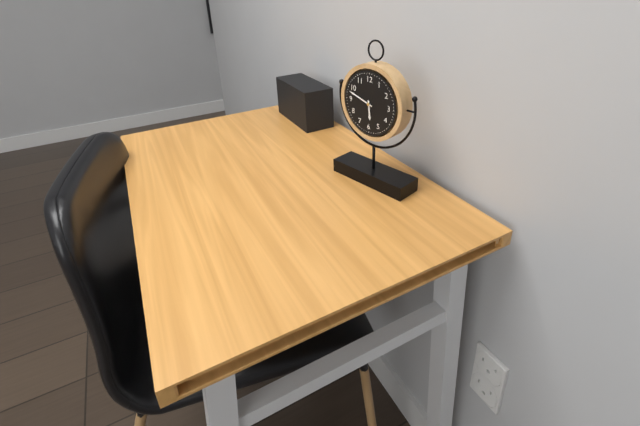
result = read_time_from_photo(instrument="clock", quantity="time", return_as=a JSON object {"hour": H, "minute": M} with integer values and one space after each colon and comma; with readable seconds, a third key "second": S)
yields {"hour": 5, "minute": 48}
